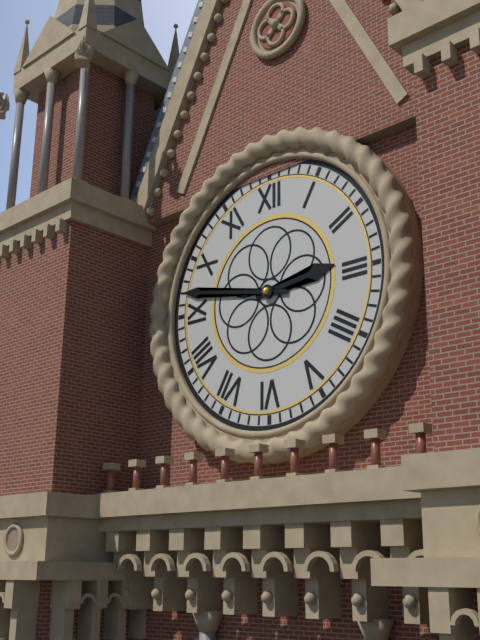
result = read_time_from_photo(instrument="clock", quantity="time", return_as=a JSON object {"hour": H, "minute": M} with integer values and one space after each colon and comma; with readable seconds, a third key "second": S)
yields {"hour": 2, "minute": 47}
